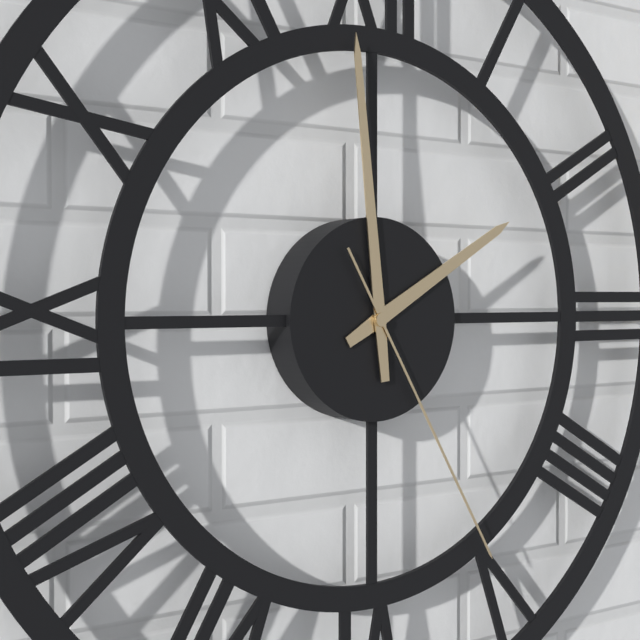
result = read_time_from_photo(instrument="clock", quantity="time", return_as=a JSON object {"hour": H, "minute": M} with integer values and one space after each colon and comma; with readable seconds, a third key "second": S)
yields {"hour": 1, "minute": 59, "second": 25}
